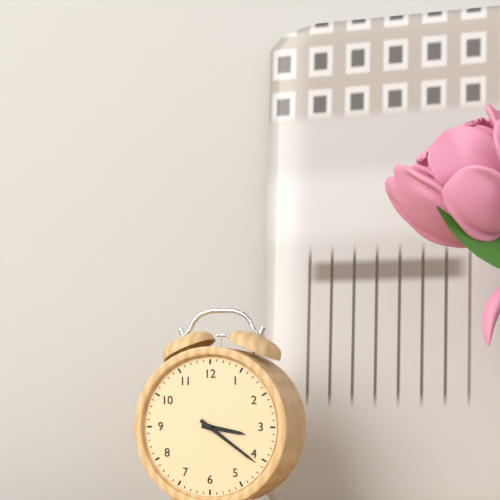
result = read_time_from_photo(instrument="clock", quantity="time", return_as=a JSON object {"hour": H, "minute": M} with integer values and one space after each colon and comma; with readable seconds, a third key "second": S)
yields {"hour": 3, "minute": 21}
